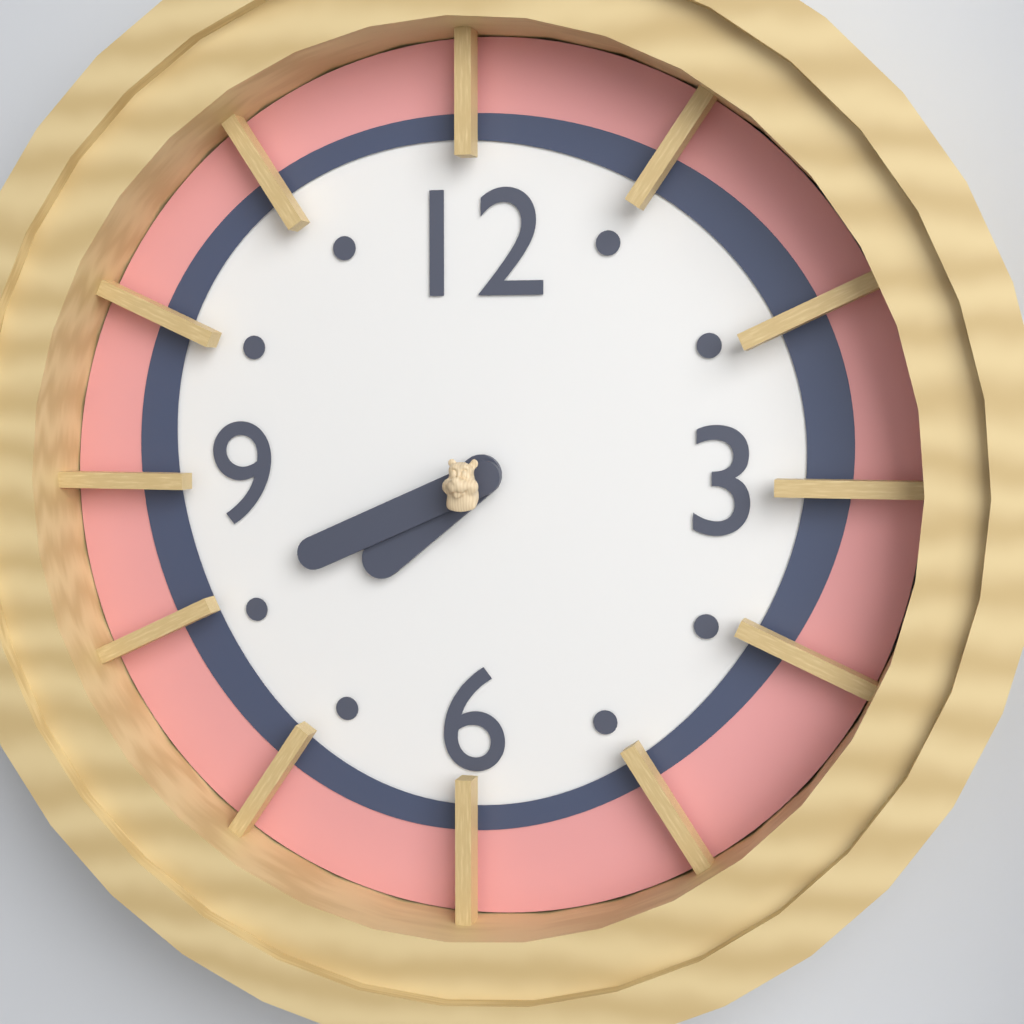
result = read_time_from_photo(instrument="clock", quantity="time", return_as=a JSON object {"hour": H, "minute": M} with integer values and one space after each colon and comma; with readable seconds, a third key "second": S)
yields {"hour": 7, "minute": 41}
